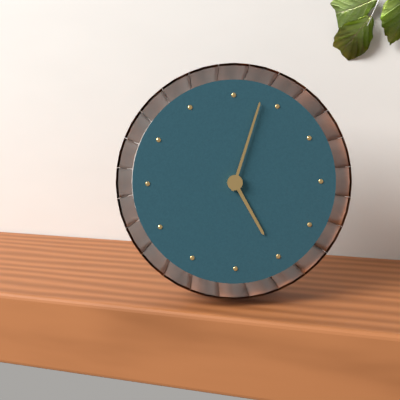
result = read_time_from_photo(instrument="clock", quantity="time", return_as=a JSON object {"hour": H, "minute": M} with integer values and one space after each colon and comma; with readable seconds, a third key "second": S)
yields {"hour": 5, "minute": 3}
